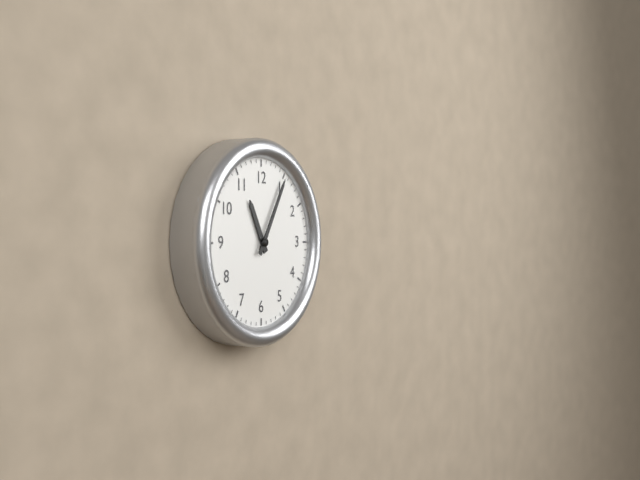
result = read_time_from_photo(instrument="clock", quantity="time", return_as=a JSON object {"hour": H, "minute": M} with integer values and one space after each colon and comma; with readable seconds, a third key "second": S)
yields {"hour": 11, "minute": 5}
